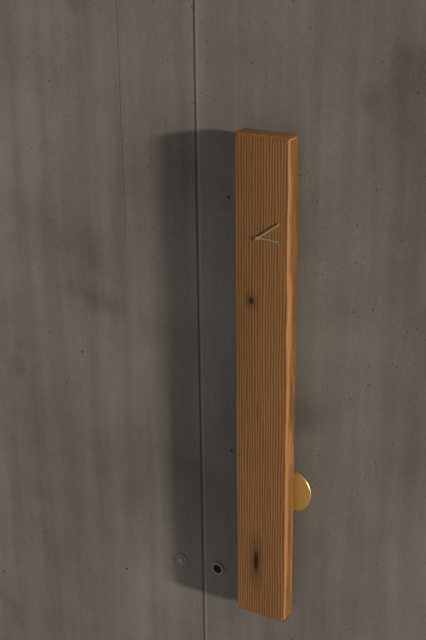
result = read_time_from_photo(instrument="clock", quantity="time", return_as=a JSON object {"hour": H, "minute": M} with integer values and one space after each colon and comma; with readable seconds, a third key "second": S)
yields {"hour": 3, "minute": 9}
